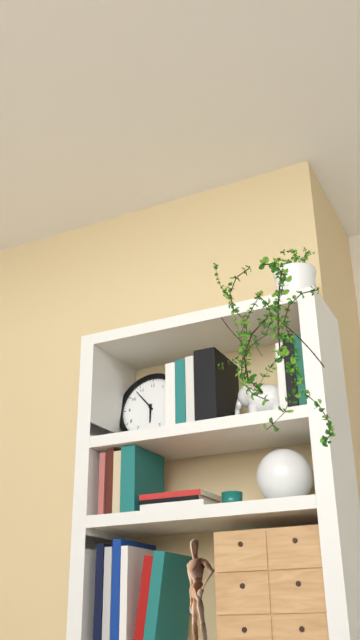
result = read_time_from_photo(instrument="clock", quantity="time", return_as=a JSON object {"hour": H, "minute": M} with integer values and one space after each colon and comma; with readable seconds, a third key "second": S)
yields {"hour": 5, "minute": 53}
